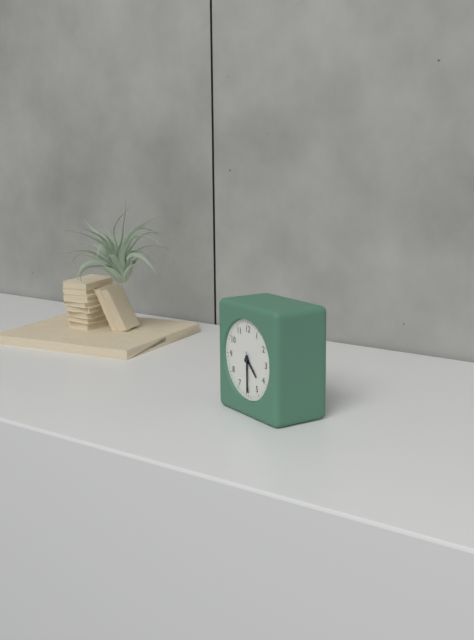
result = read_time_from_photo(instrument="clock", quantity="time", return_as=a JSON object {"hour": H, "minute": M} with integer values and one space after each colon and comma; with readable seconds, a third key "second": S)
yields {"hour": 4, "minute": 30, "second": 30}
